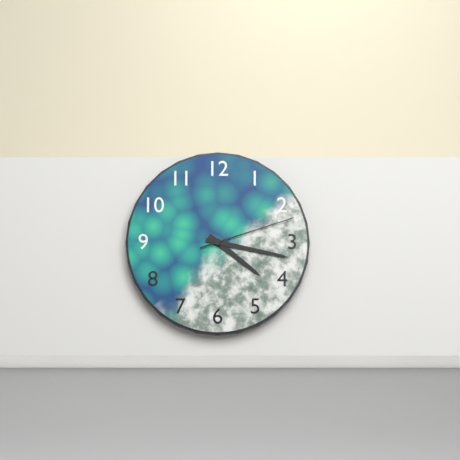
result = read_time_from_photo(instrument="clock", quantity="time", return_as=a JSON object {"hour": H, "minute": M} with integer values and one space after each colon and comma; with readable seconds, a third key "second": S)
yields {"hour": 4, "minute": 17, "second": 12}
